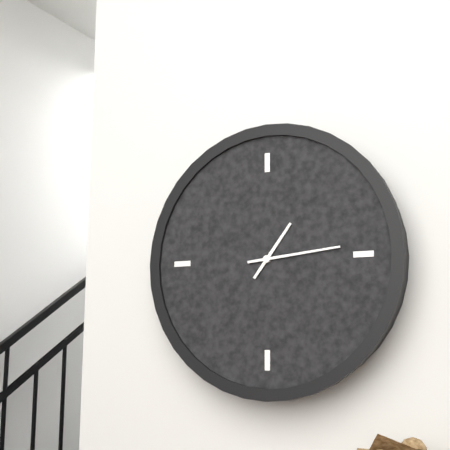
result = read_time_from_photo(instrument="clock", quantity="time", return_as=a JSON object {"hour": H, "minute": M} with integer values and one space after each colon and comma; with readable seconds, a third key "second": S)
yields {"hour": 1, "minute": 14}
